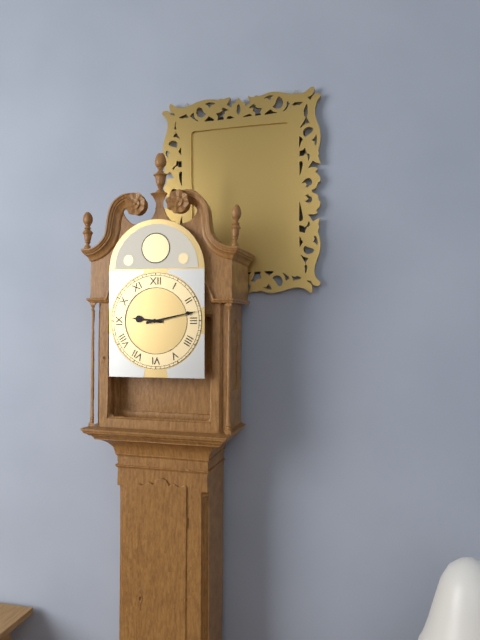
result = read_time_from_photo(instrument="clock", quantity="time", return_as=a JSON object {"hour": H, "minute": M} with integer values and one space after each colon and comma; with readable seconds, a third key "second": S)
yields {"hour": 9, "minute": 13}
